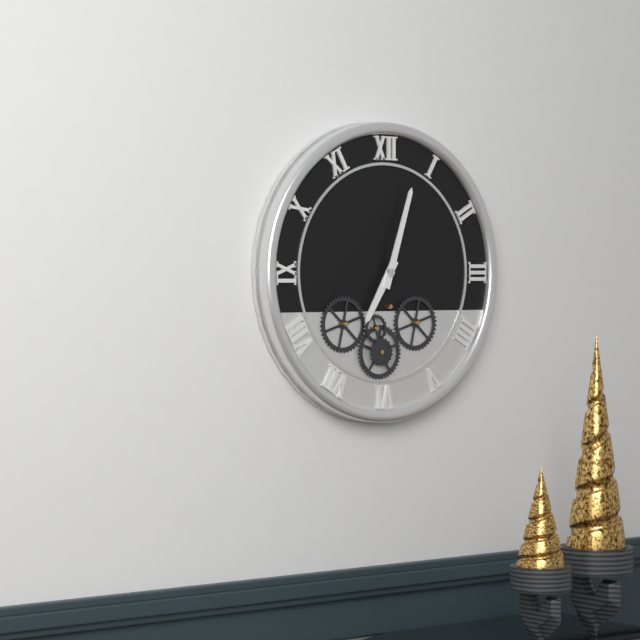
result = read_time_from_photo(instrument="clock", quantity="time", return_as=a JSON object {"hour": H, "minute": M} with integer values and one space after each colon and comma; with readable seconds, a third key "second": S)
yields {"hour": 7, "minute": 3}
